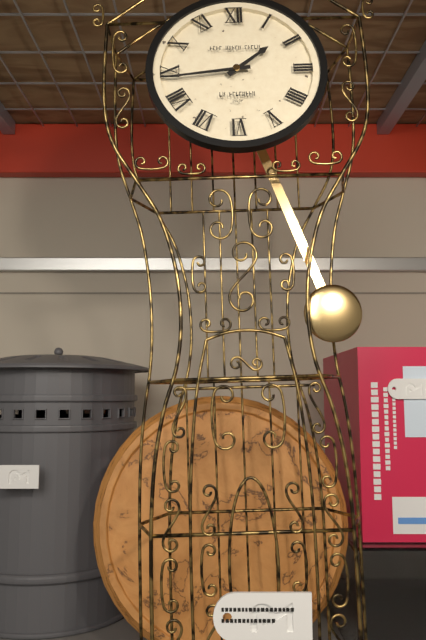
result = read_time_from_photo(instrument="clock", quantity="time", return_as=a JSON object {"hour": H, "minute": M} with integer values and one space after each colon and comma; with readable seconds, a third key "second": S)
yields {"hour": 1, "minute": 44}
